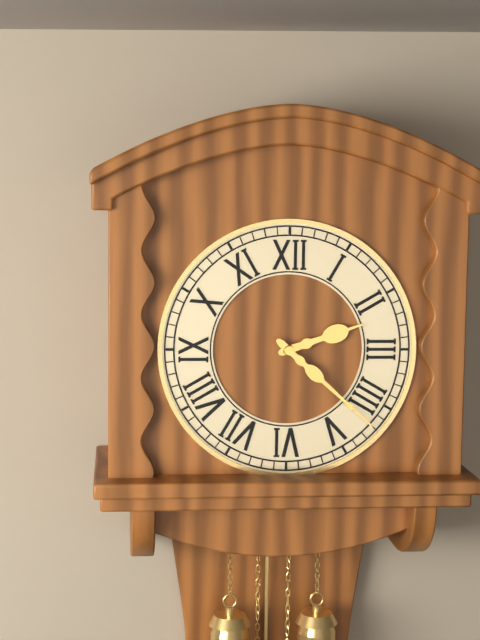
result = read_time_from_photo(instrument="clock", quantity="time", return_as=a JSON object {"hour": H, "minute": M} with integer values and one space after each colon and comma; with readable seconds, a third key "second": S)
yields {"hour": 2, "minute": 22}
